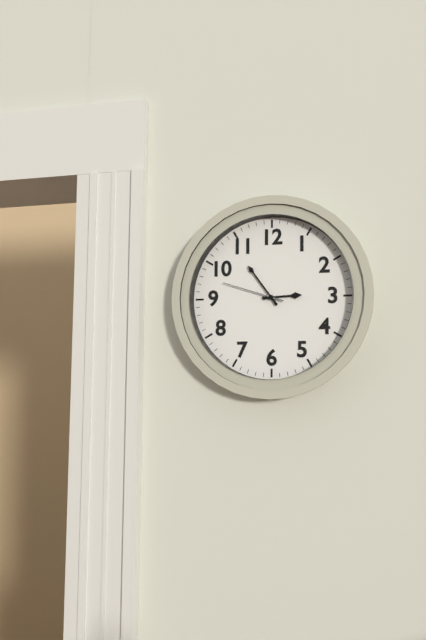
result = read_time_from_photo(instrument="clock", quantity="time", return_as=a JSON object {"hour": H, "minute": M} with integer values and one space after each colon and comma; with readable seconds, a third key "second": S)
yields {"hour": 2, "minute": 54, "second": 48}
